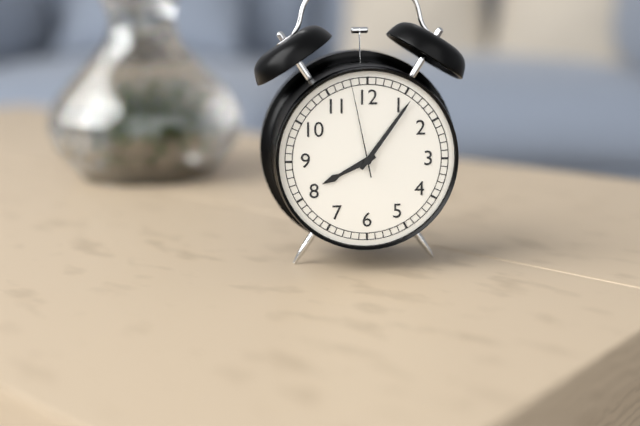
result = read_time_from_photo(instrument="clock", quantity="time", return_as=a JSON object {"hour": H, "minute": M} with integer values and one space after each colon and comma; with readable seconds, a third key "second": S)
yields {"hour": 8, "minute": 6, "second": 58}
